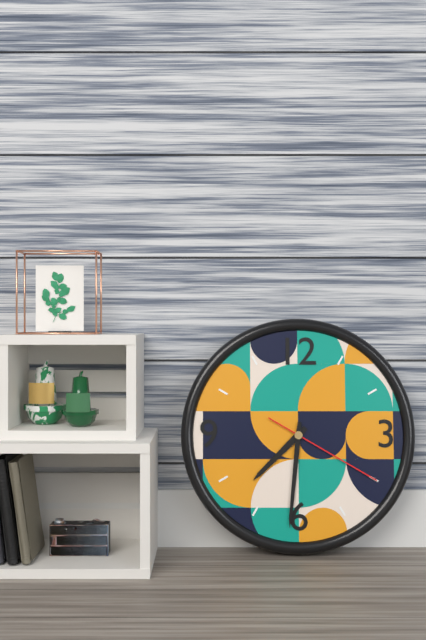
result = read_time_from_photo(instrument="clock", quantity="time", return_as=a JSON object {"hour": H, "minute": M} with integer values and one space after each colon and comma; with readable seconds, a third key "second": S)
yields {"hour": 7, "minute": 31, "second": 20}
